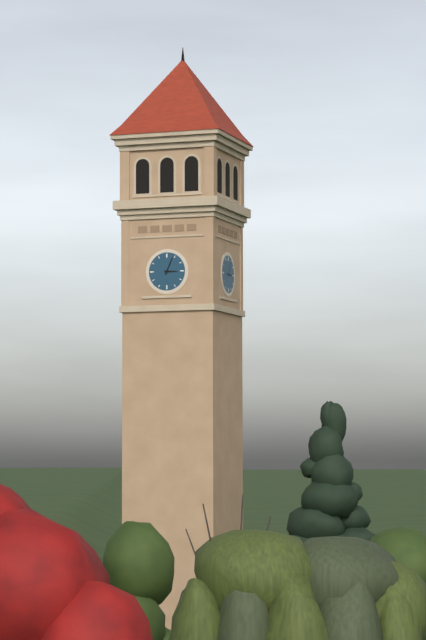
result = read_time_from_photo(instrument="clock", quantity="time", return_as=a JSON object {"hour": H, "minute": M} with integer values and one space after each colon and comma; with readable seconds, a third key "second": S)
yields {"hour": 3, "minute": 4}
